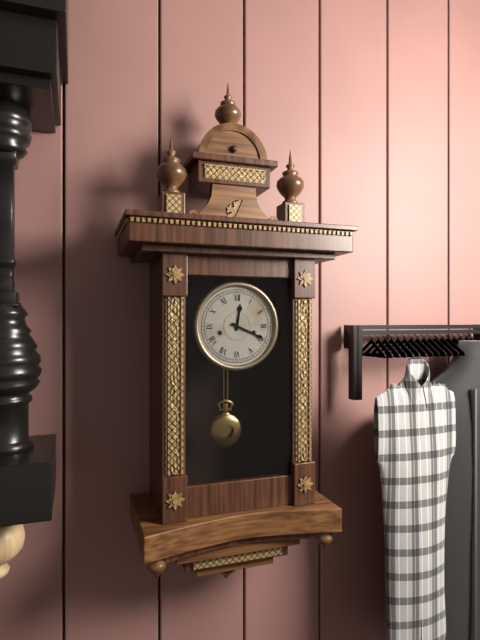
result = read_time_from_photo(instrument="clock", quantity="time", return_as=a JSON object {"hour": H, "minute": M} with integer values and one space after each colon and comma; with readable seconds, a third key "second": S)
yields {"hour": 12, "minute": 19}
